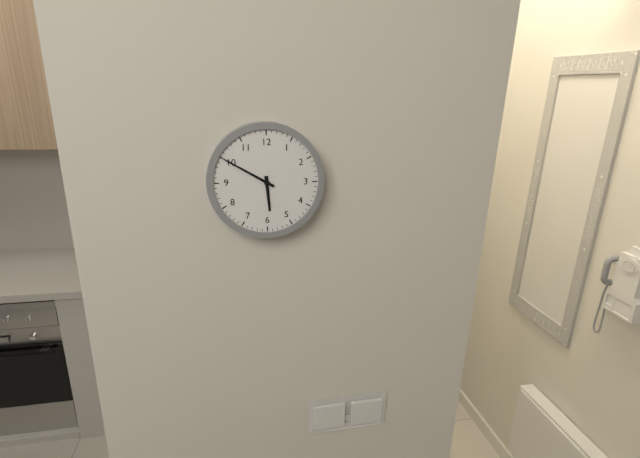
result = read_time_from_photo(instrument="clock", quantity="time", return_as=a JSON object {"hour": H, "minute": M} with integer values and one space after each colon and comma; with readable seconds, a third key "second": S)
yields {"hour": 5, "minute": 50}
